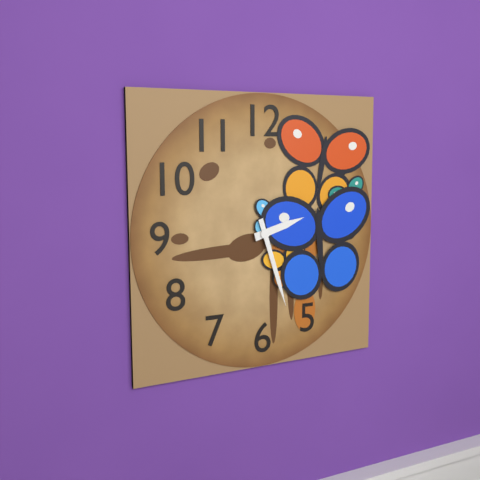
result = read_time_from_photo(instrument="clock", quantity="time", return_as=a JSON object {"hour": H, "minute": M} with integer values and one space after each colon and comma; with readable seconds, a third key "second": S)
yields {"hour": 2, "minute": 27}
